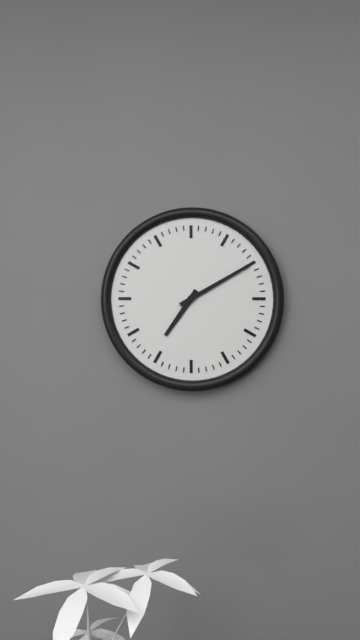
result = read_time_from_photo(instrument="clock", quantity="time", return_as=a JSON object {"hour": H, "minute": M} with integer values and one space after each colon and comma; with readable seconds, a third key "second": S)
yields {"hour": 7, "minute": 10}
